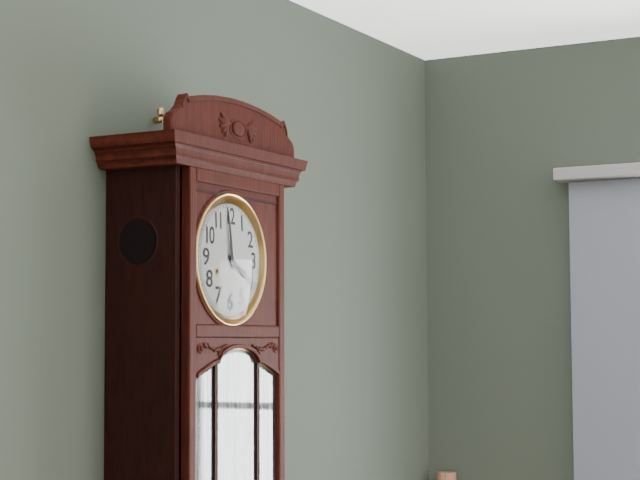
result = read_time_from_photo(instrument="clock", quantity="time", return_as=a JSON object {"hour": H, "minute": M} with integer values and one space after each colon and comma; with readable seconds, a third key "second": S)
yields {"hour": 3, "minute": 59}
